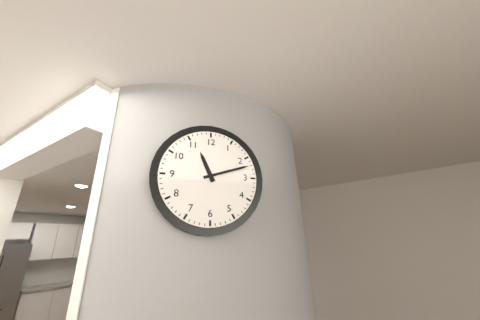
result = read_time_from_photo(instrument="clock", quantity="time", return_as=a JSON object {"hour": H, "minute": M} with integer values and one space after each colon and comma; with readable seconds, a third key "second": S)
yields {"hour": 11, "minute": 12}
